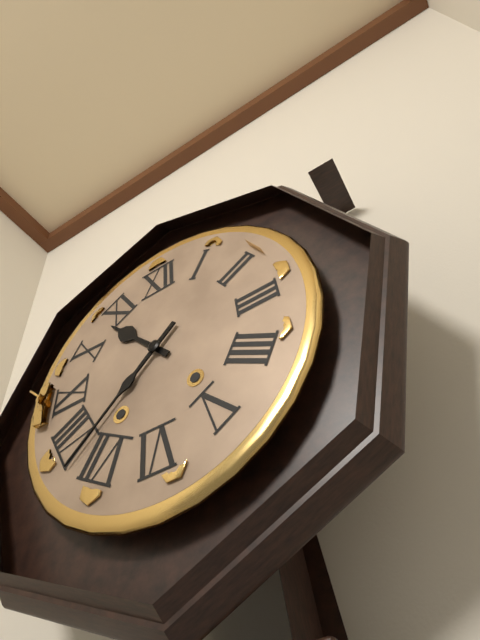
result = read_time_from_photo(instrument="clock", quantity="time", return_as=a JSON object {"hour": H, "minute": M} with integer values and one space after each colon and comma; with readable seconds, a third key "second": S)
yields {"hour": 10, "minute": 38}
